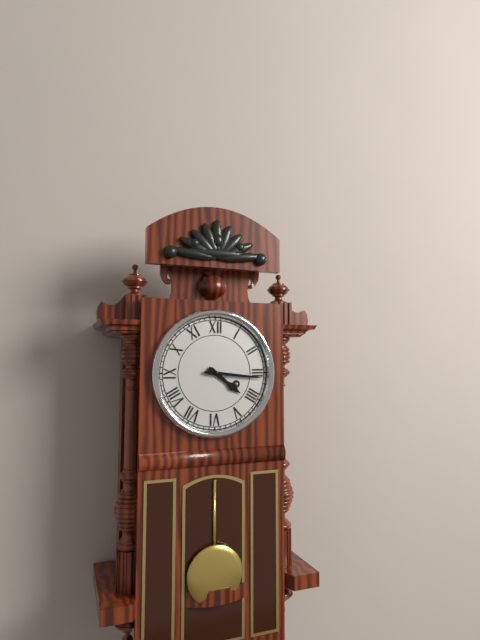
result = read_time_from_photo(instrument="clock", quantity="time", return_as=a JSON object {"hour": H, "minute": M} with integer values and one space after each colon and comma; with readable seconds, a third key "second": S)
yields {"hour": 4, "minute": 16}
